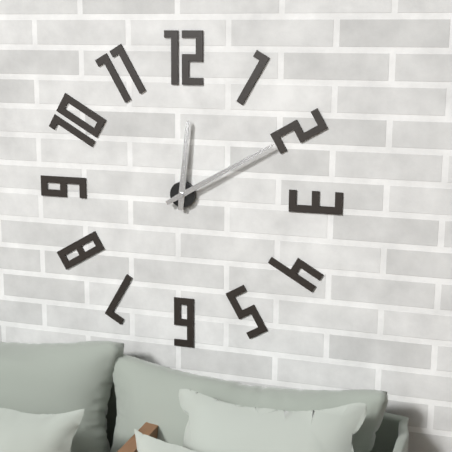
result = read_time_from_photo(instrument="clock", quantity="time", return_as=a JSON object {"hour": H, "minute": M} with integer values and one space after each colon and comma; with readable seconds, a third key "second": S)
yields {"hour": 12, "minute": 10}
